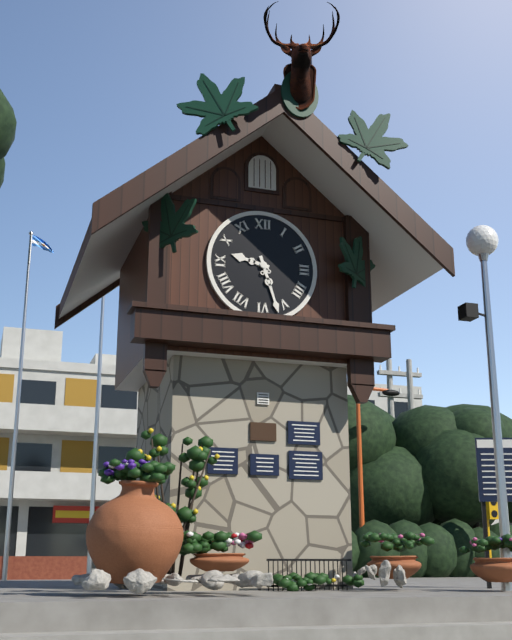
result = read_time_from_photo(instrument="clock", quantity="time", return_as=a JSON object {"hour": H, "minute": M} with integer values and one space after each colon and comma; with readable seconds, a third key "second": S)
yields {"hour": 9, "minute": 27}
